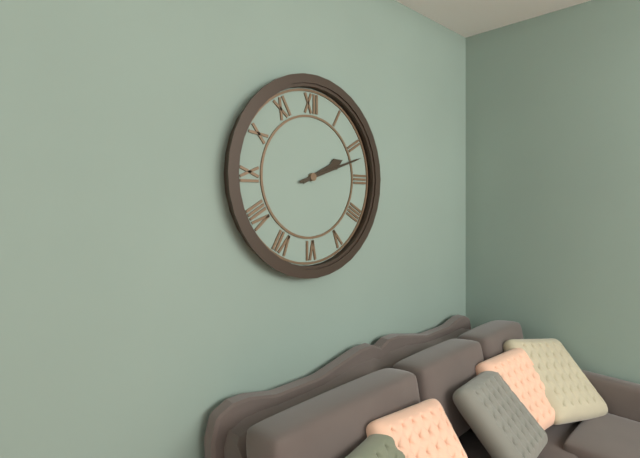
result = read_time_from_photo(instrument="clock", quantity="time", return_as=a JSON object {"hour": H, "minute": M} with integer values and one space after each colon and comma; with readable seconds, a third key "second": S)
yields {"hour": 2, "minute": 12}
